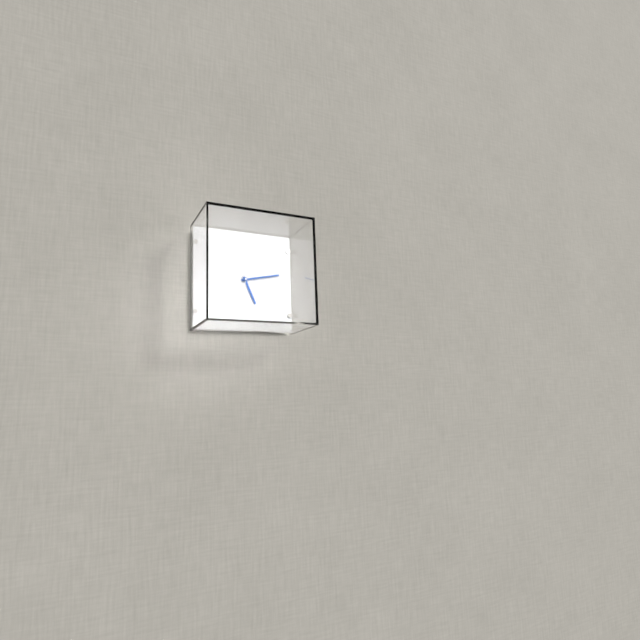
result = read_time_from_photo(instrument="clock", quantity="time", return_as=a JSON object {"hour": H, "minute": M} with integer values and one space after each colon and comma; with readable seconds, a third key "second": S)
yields {"hour": 5, "minute": 13}
